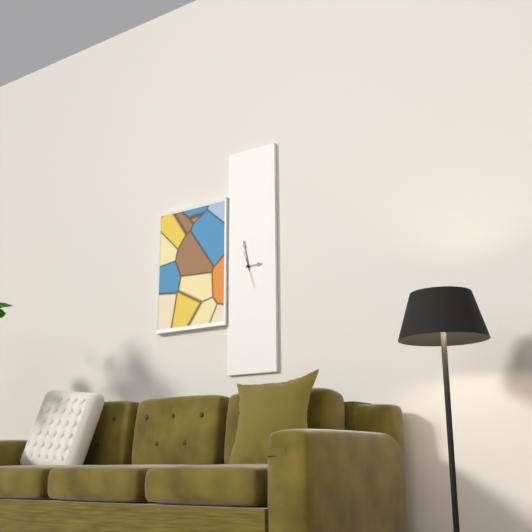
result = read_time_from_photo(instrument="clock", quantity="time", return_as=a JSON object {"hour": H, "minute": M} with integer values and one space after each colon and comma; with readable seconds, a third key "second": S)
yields {"hour": 2, "minute": 58}
